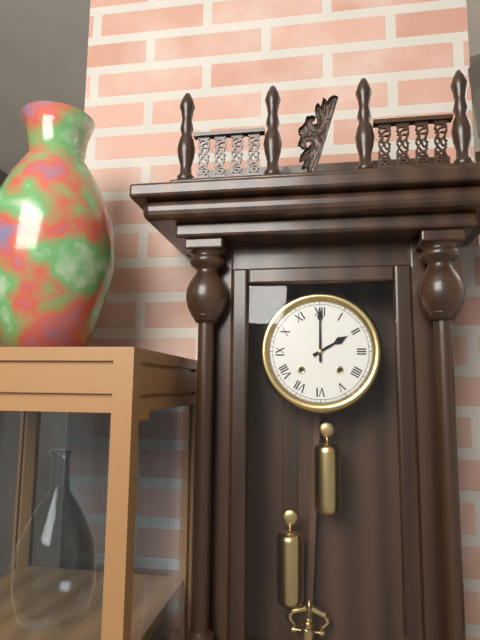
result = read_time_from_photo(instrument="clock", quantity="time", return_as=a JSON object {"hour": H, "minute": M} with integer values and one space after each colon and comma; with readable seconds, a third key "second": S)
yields {"hour": 2, "minute": 0}
